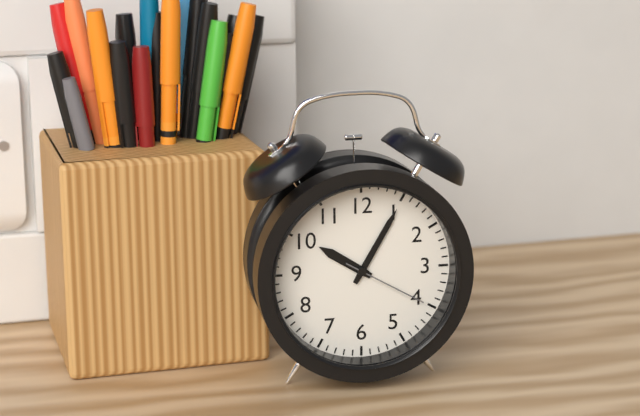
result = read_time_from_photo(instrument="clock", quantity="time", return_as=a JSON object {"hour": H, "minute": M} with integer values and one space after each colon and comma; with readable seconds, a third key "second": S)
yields {"hour": 10, "minute": 5, "second": 20}
